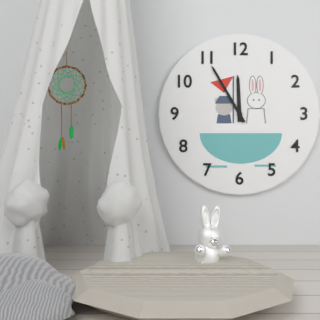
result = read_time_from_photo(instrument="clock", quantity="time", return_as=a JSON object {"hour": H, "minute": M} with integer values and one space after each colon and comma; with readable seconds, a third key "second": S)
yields {"hour": 11, "minute": 55}
